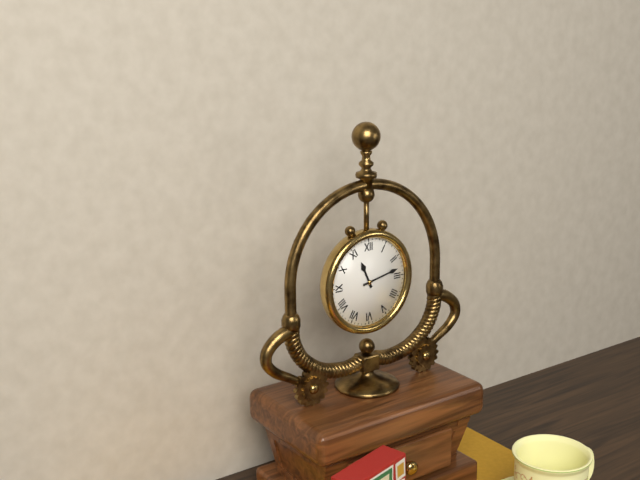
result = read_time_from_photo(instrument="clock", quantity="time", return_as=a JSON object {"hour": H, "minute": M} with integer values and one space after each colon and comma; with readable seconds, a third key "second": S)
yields {"hour": 11, "minute": 13}
